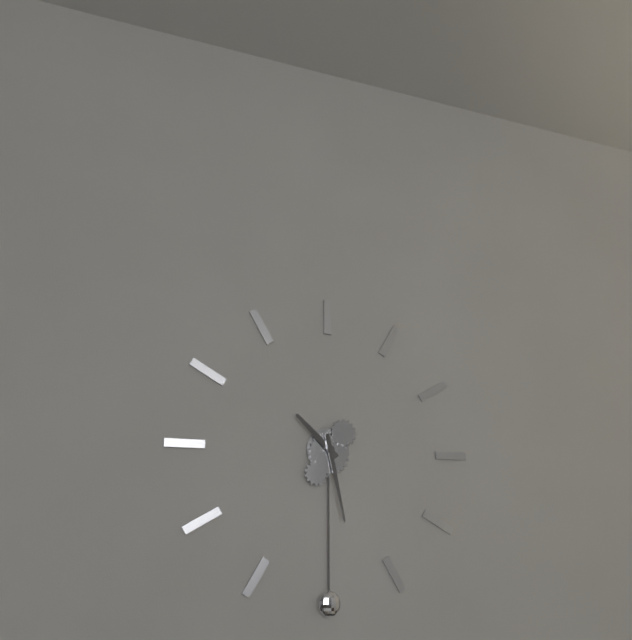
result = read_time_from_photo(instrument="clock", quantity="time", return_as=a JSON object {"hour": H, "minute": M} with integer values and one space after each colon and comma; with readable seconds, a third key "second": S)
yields {"hour": 10, "minute": 28}
